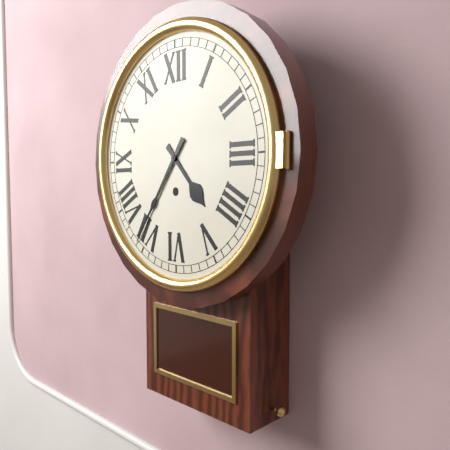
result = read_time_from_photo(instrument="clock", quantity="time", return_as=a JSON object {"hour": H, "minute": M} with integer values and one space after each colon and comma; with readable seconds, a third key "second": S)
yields {"hour": 4, "minute": 36}
